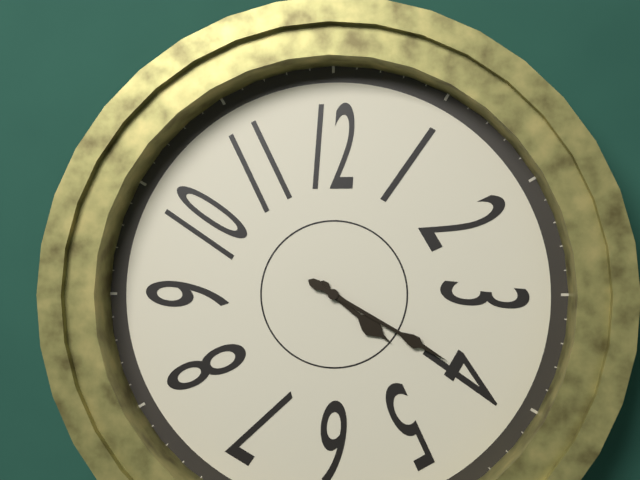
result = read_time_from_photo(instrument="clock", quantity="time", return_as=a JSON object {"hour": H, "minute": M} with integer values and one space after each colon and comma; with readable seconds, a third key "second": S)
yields {"hour": 4, "minute": 20}
